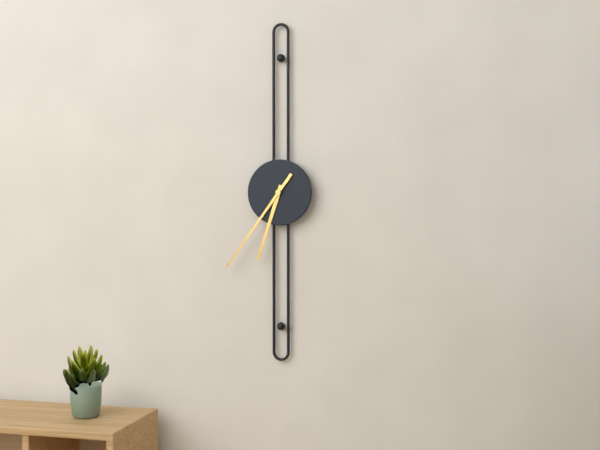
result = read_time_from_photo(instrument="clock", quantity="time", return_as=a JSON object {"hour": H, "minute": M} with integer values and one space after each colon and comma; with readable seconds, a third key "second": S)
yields {"hour": 6, "minute": 36}
